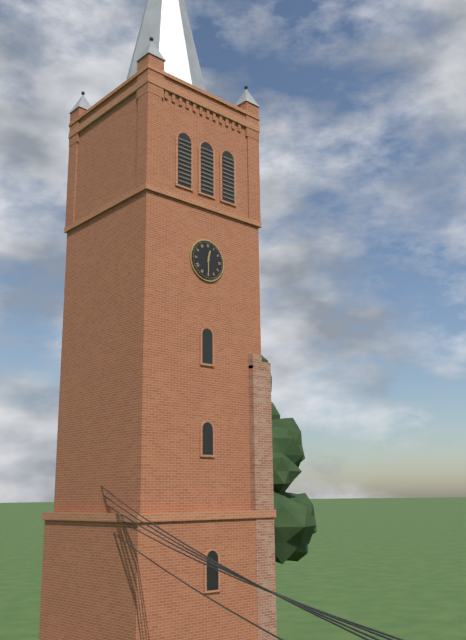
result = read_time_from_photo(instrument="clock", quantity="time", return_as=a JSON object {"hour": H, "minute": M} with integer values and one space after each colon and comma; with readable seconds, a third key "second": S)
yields {"hour": 12, "minute": 30}
